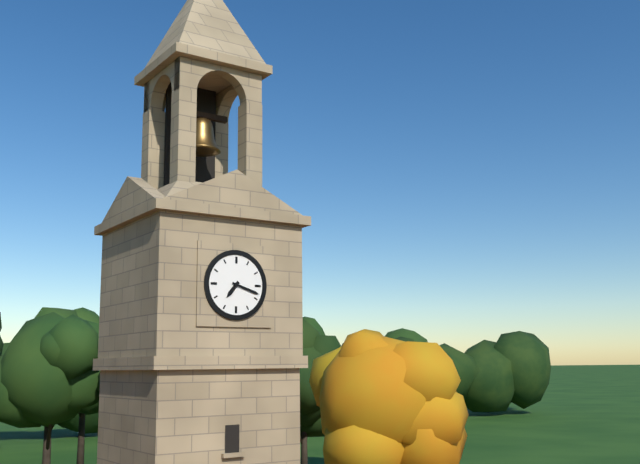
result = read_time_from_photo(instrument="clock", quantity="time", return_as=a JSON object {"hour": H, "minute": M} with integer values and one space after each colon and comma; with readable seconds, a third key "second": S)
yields {"hour": 7, "minute": 18}
